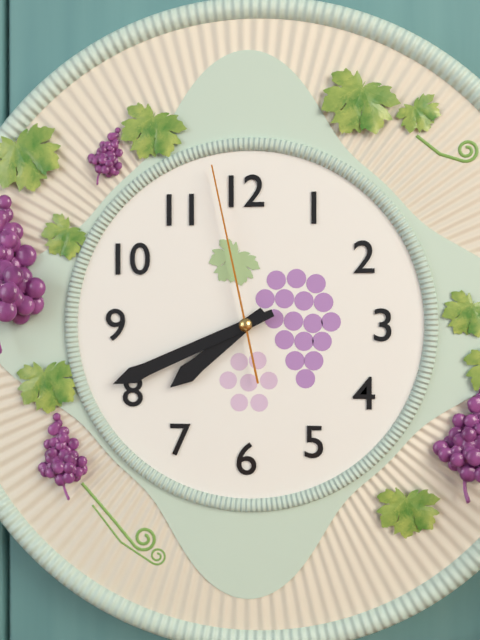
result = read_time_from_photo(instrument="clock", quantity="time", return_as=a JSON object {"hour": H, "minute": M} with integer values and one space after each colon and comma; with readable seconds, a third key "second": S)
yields {"hour": 7, "minute": 41, "second": 58}
